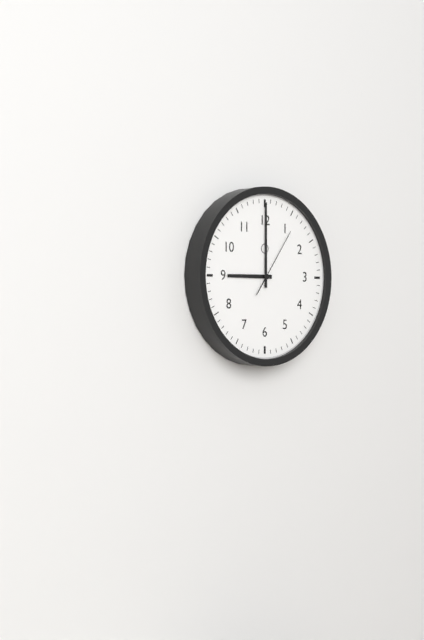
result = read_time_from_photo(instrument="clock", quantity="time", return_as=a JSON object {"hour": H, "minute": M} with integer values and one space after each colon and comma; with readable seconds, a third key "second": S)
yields {"hour": 9, "minute": 0, "second": 6}
